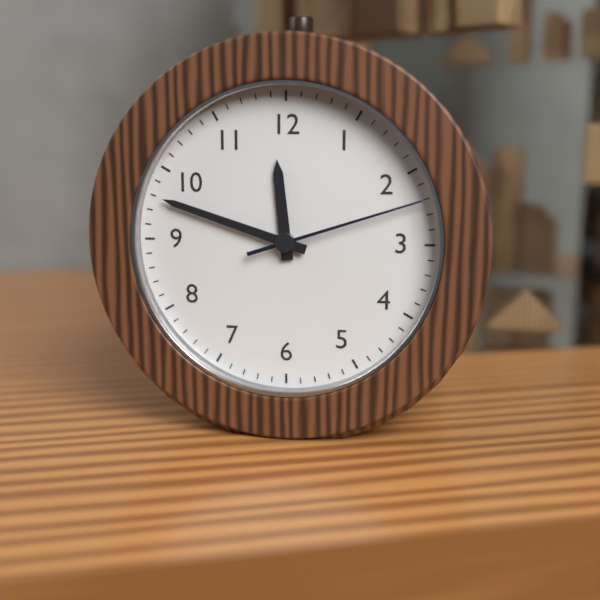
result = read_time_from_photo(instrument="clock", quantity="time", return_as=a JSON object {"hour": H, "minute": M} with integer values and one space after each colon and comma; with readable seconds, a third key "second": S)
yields {"hour": 11, "minute": 48, "second": 12}
